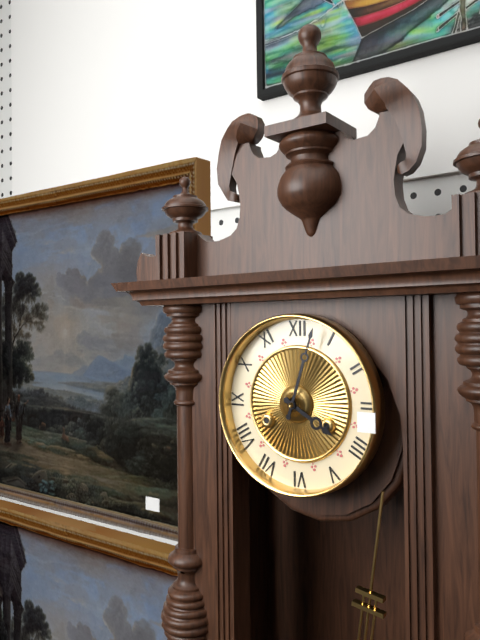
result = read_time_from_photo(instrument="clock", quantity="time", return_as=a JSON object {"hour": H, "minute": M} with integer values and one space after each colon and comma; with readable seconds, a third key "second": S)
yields {"hour": 4, "minute": 3}
